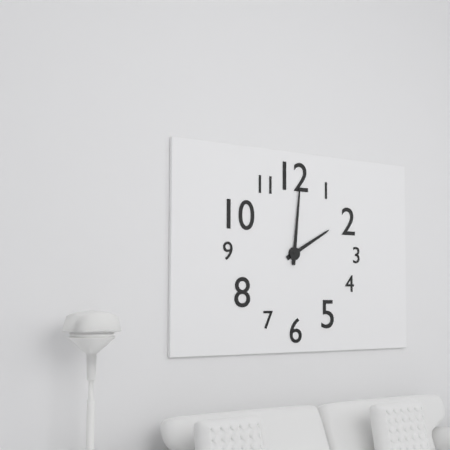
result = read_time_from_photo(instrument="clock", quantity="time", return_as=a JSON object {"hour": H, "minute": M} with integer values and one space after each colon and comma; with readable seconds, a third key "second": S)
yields {"hour": 2, "minute": 1}
